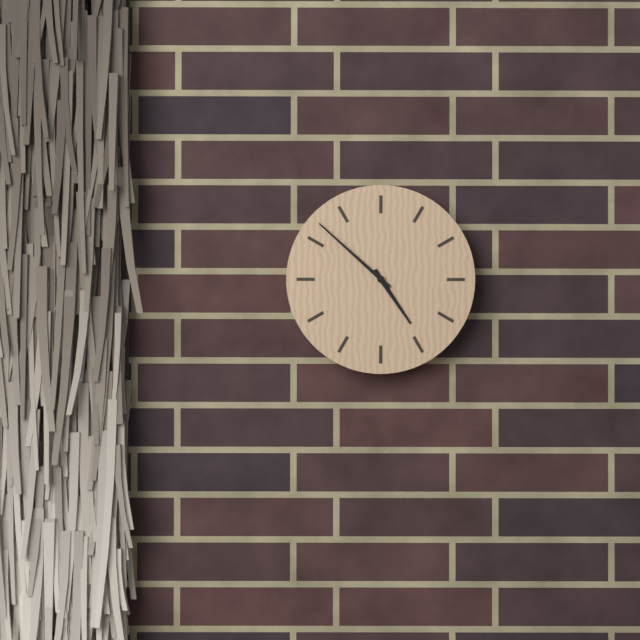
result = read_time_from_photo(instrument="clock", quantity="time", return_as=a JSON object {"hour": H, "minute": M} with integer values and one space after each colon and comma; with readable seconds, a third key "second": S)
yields {"hour": 4, "minute": 52}
